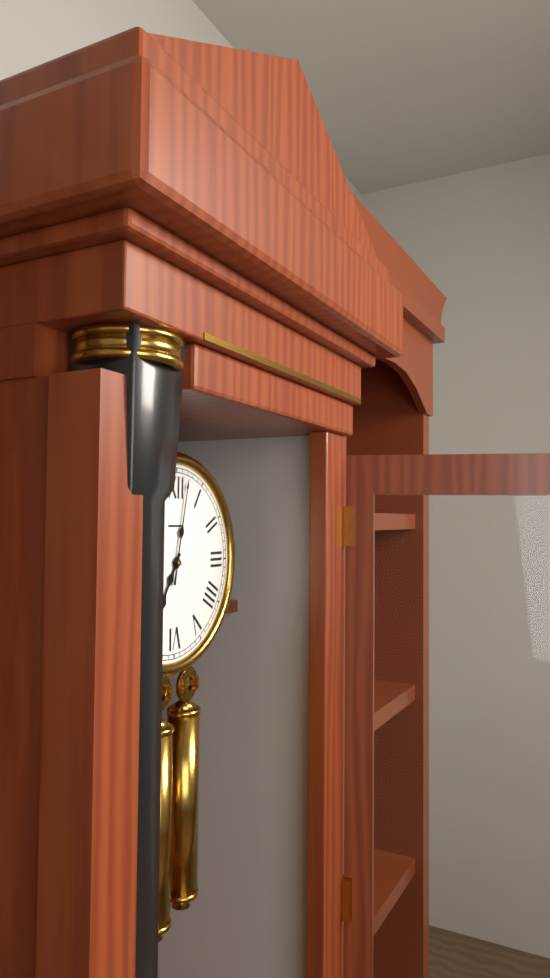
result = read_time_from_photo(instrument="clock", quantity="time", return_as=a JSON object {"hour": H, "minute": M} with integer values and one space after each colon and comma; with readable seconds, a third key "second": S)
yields {"hour": 7, "minute": 2}
